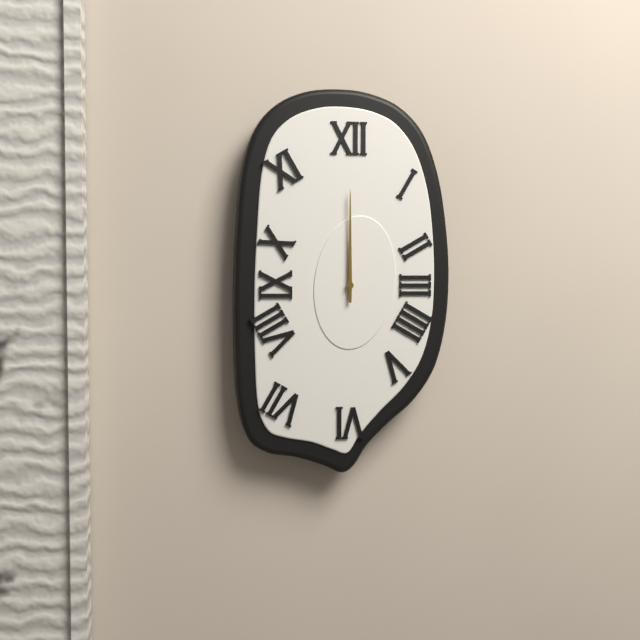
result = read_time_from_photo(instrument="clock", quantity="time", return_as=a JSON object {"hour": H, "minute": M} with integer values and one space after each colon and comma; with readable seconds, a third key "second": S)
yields {"hour": 12, "minute": 0}
